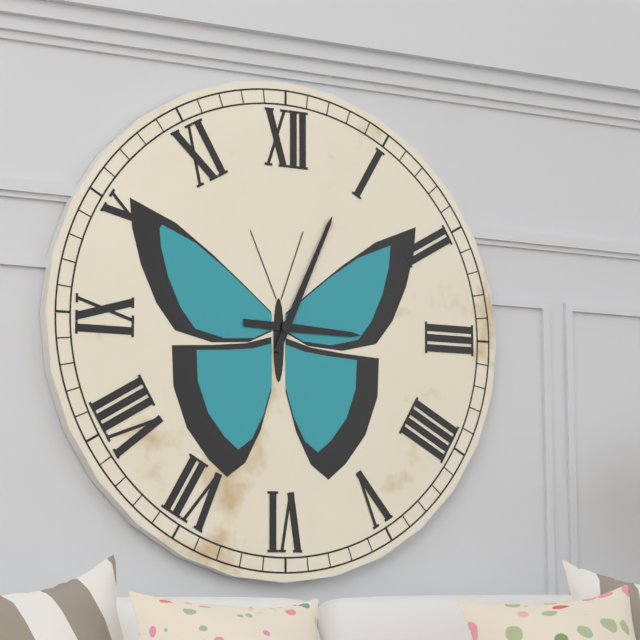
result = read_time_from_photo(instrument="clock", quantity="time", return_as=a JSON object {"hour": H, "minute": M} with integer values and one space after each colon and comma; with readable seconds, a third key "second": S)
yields {"hour": 3, "minute": 4}
